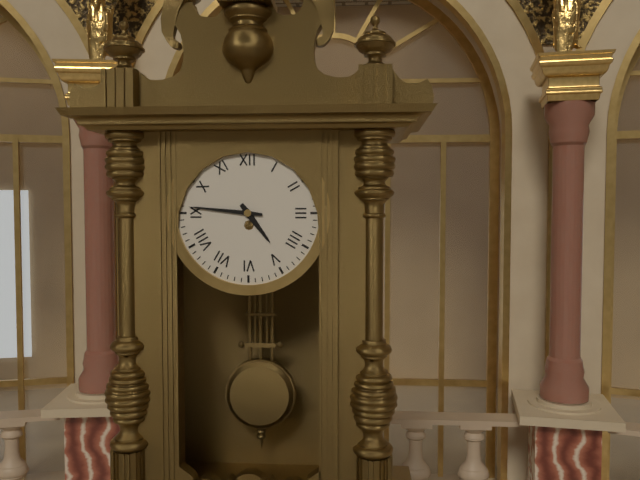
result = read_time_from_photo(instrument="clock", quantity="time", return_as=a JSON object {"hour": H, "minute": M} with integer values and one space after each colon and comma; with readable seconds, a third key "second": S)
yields {"hour": 4, "minute": 46}
